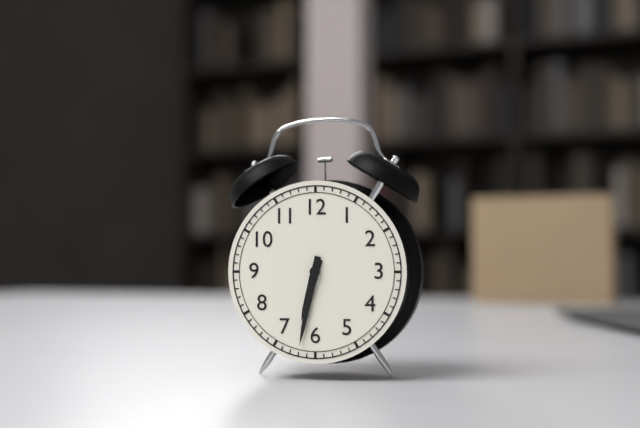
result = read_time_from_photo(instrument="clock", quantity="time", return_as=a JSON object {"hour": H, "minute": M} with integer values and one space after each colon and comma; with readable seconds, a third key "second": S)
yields {"hour": 6, "minute": 32}
